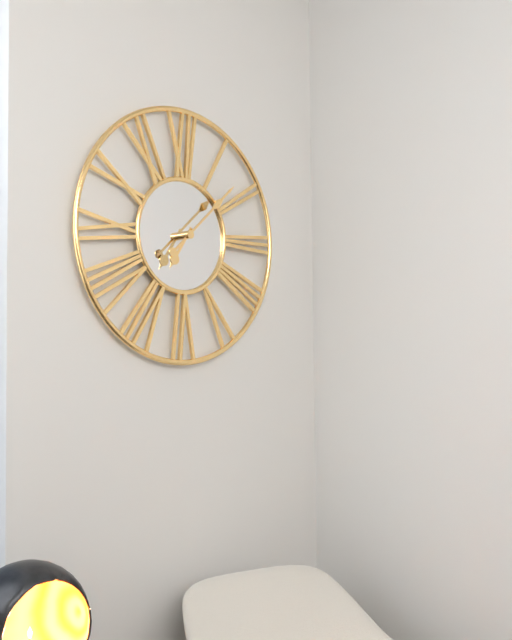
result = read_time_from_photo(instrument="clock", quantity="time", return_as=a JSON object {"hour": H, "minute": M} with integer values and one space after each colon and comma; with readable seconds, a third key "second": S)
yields {"hour": 7, "minute": 8}
